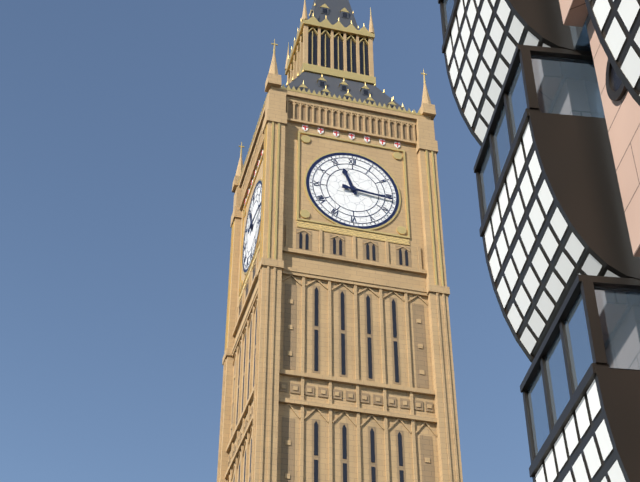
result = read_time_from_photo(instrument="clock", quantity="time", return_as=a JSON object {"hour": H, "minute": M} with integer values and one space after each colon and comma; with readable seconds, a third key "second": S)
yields {"hour": 11, "minute": 16}
